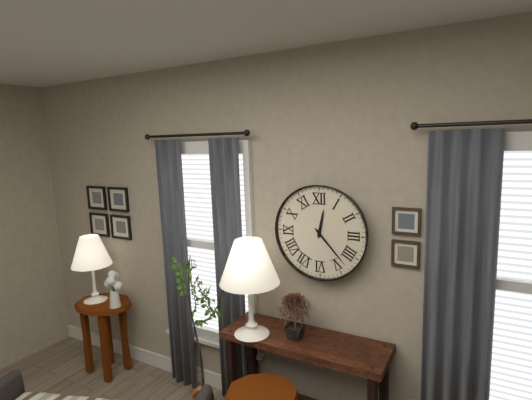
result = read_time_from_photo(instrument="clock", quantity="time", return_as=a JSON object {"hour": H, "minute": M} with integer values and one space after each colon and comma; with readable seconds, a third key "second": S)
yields {"hour": 12, "minute": 23}
